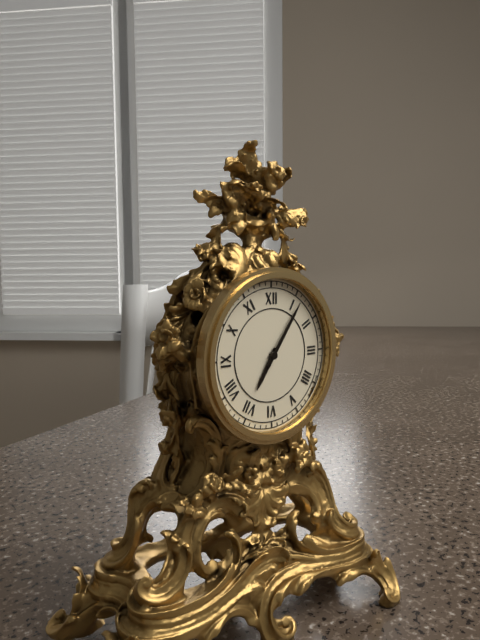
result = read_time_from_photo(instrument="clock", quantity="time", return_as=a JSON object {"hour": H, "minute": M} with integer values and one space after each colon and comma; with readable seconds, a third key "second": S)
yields {"hour": 7, "minute": 6}
